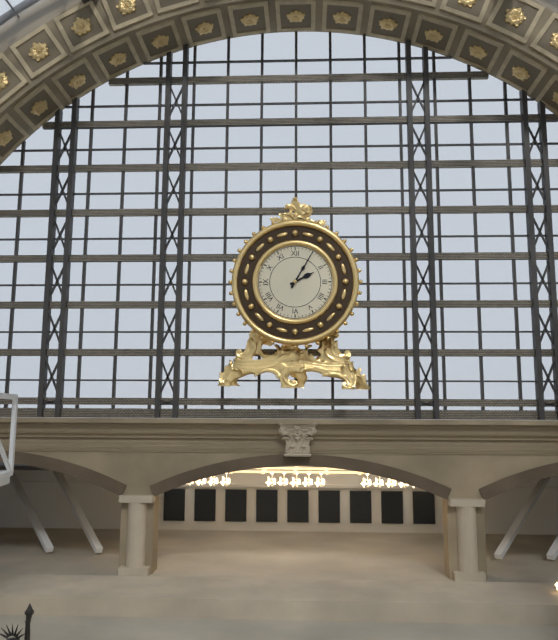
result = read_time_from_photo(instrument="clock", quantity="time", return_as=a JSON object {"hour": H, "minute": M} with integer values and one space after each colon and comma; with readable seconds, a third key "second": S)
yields {"hour": 2, "minute": 5}
